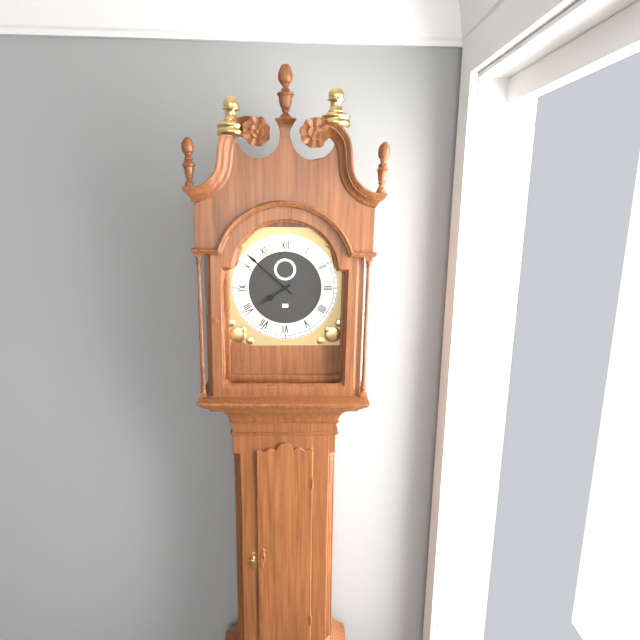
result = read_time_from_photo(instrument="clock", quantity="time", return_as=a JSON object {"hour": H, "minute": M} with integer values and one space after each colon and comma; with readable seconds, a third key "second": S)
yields {"hour": 7, "minute": 52}
